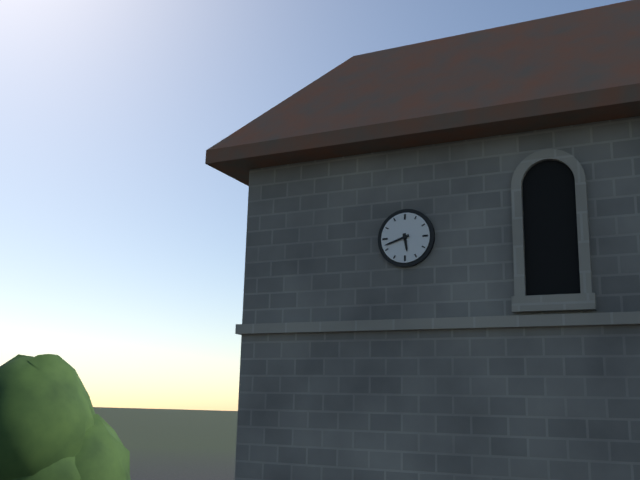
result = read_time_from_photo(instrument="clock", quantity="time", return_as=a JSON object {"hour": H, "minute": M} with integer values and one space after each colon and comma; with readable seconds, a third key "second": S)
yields {"hour": 5, "minute": 42}
